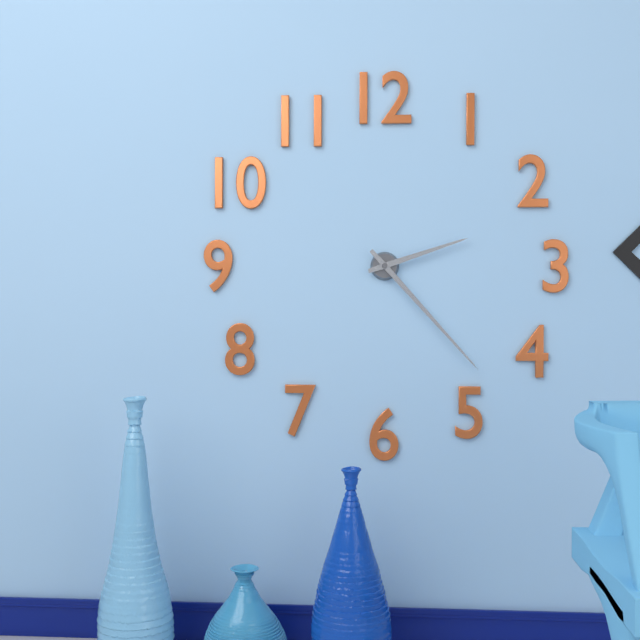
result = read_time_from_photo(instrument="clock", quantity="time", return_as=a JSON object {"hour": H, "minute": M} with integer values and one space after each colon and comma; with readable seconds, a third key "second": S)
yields {"hour": 2, "minute": 23}
